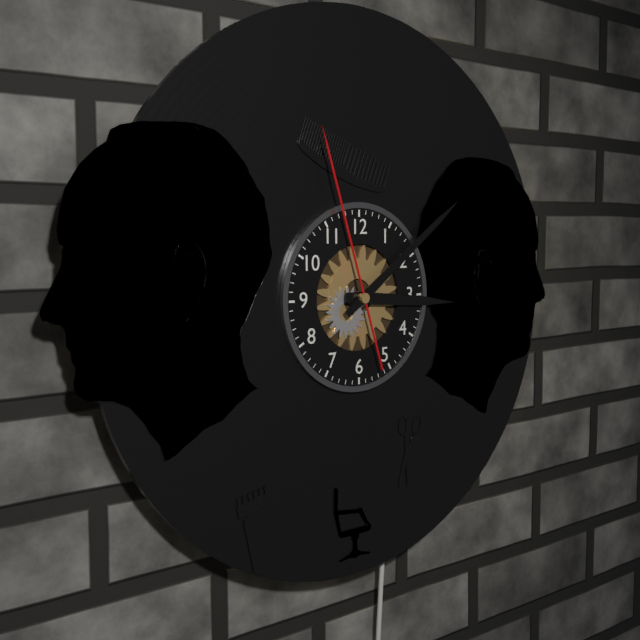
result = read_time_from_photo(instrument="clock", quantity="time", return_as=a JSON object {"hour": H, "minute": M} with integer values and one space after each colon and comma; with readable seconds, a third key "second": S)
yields {"hour": 3, "minute": 9, "second": 57}
